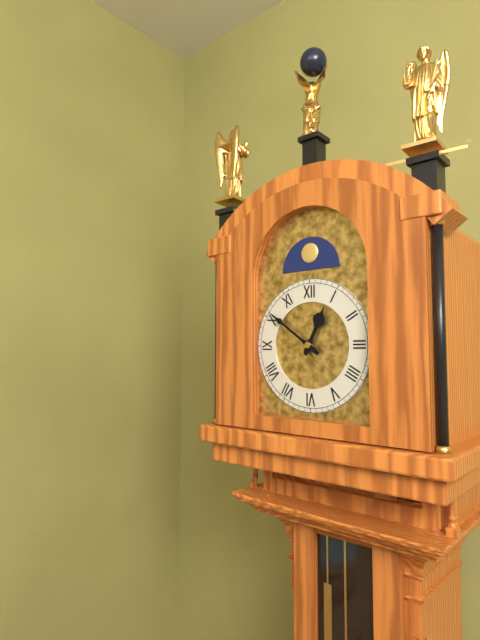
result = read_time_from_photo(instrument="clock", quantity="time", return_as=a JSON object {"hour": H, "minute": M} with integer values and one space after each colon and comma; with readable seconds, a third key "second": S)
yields {"hour": 12, "minute": 51}
